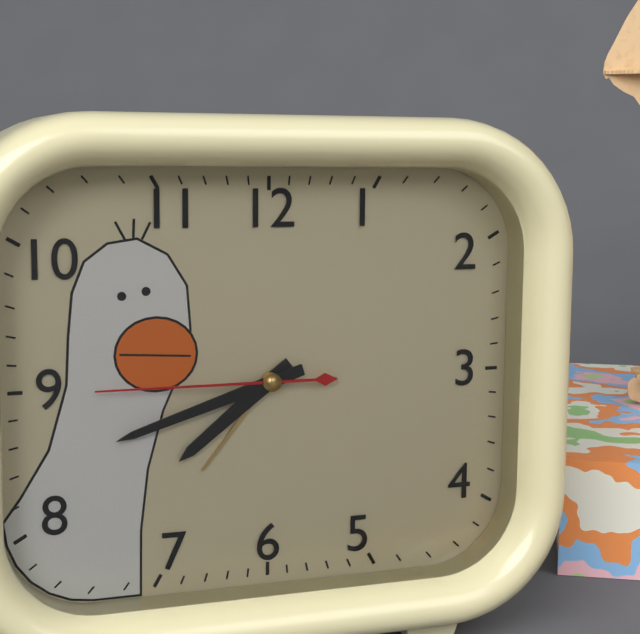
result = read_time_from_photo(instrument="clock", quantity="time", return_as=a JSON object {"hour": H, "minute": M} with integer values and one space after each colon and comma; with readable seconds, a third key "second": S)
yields {"hour": 7, "minute": 42, "second": 45}
